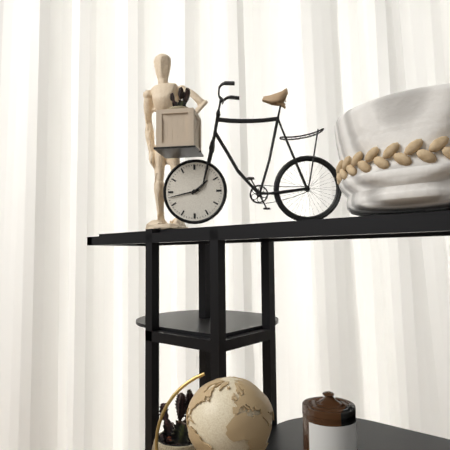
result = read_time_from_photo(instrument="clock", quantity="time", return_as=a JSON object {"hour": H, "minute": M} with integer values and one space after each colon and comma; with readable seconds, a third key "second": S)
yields {"hour": 1, "minute": 43}
